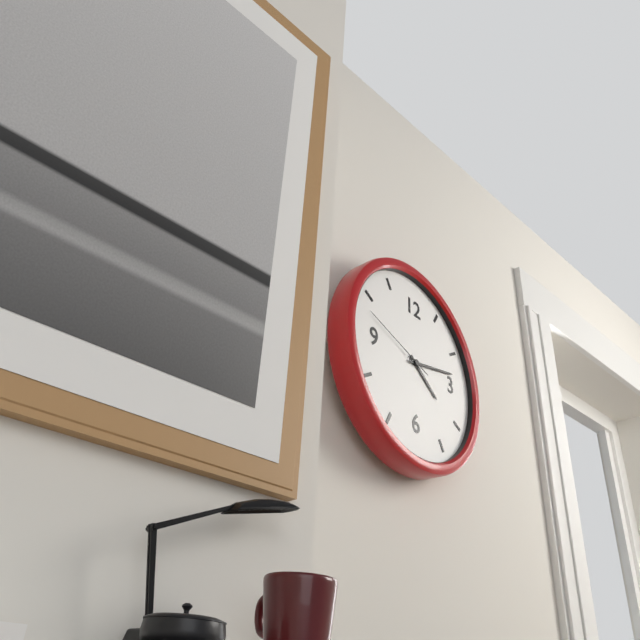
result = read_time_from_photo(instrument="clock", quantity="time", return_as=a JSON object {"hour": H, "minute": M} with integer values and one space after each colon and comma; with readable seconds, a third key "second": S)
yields {"hour": 4, "minute": 13, "second": 48}
